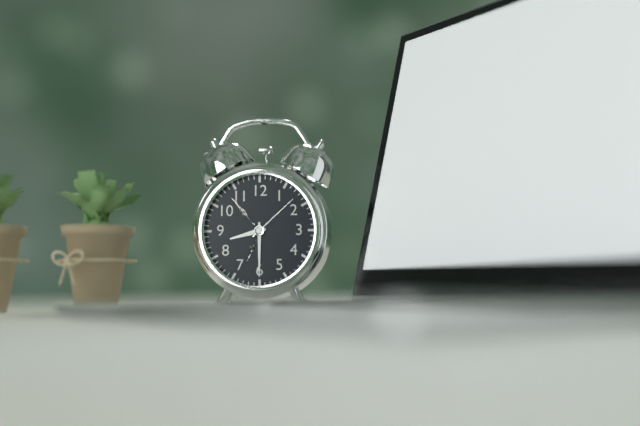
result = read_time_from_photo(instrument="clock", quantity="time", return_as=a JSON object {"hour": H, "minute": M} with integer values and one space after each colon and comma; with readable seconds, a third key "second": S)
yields {"hour": 8, "minute": 30}
